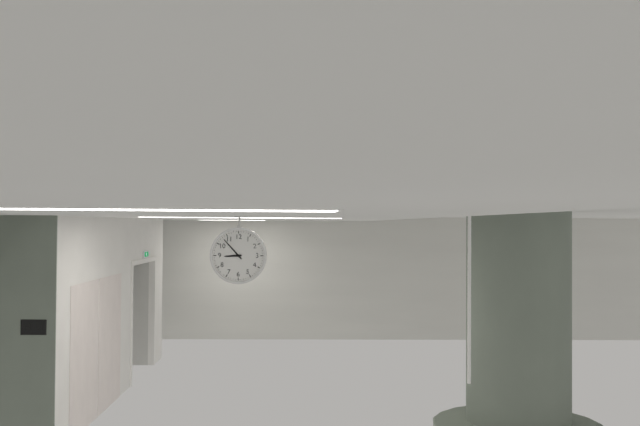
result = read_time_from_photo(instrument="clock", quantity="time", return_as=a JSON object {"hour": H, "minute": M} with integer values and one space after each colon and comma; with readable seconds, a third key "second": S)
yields {"hour": 8, "minute": 53}
